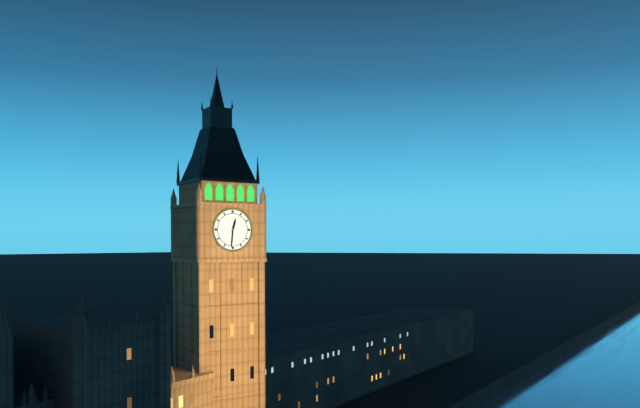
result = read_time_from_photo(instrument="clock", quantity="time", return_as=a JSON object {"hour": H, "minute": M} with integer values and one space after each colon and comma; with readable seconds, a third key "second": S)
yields {"hour": 12, "minute": 31}
